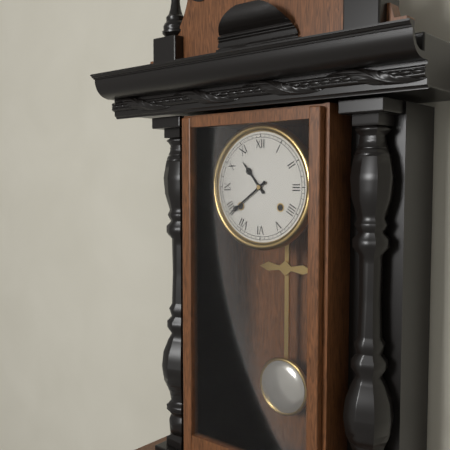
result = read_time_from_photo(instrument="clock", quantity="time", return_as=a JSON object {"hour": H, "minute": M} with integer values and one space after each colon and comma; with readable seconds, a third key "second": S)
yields {"hour": 10, "minute": 39}
